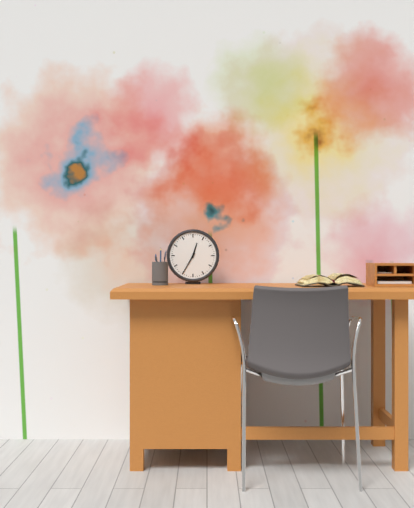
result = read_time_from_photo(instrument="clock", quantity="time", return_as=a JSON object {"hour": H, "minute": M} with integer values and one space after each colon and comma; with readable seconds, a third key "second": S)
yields {"hour": 12, "minute": 35}
